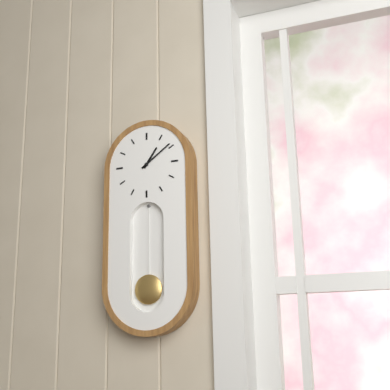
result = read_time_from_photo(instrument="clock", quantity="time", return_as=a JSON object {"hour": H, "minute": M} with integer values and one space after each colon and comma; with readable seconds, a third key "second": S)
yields {"hour": 1, "minute": 9}
